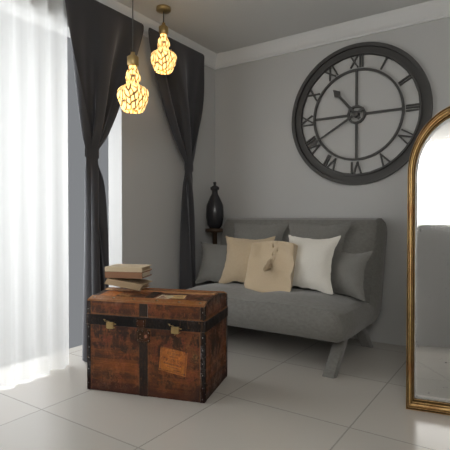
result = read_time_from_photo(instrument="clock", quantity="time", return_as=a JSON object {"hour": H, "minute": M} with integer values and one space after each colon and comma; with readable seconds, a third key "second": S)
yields {"hour": 10, "minute": 40}
